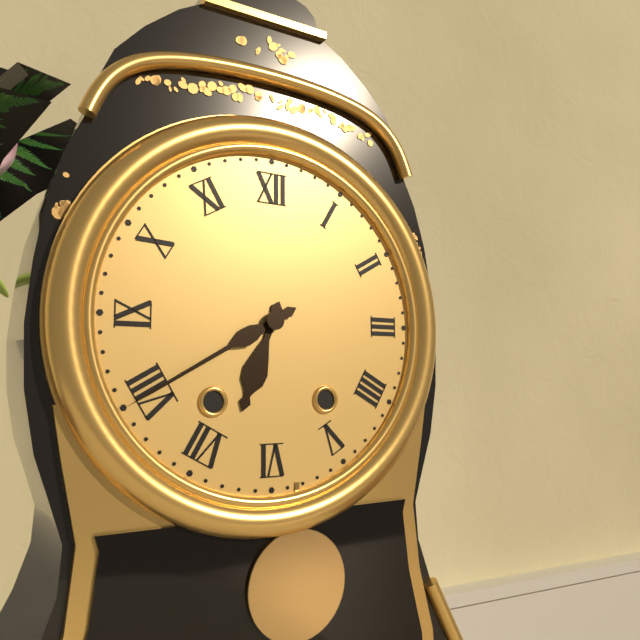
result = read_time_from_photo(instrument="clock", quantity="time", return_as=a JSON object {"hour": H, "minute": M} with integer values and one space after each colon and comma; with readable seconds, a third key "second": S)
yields {"hour": 6, "minute": 40}
